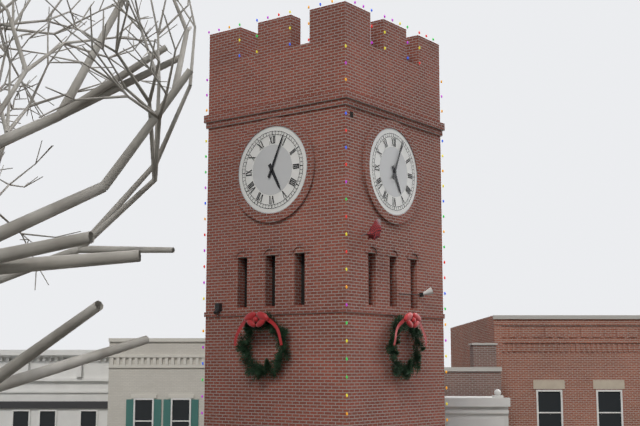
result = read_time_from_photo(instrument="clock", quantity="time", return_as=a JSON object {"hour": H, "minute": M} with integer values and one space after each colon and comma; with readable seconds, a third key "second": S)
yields {"hour": 5, "minute": 4}
